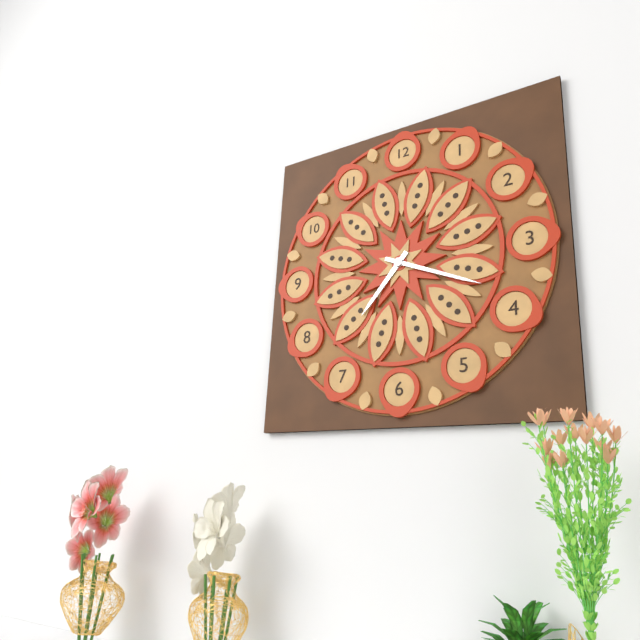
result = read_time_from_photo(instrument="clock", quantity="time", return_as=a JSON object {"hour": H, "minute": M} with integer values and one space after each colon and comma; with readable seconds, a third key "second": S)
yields {"hour": 7, "minute": 19}
